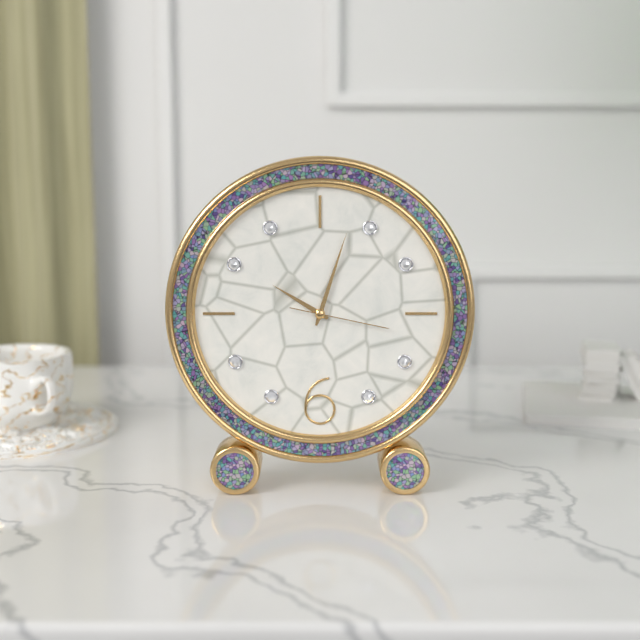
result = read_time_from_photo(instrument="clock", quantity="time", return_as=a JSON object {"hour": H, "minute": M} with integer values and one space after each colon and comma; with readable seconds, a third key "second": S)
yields {"hour": 10, "minute": 3, "second": 17}
